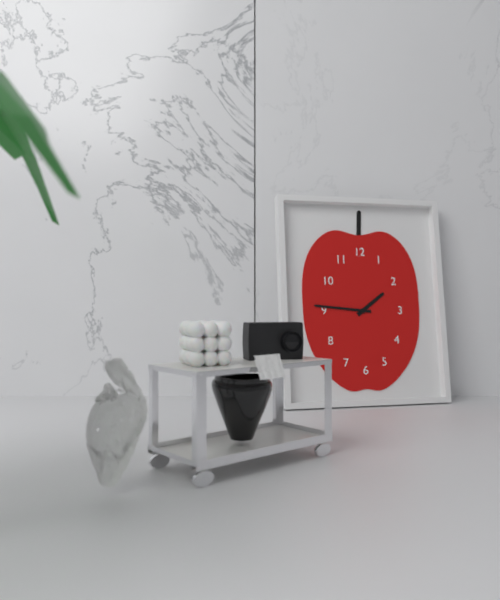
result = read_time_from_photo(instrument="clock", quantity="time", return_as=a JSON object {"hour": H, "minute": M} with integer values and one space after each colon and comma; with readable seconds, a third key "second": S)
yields {"hour": 1, "minute": 46}
